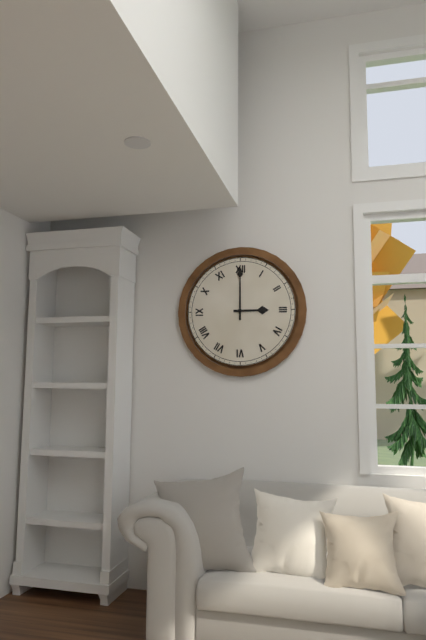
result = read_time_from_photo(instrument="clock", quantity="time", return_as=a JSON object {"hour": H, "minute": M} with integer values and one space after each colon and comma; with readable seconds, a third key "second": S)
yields {"hour": 3, "minute": 0}
